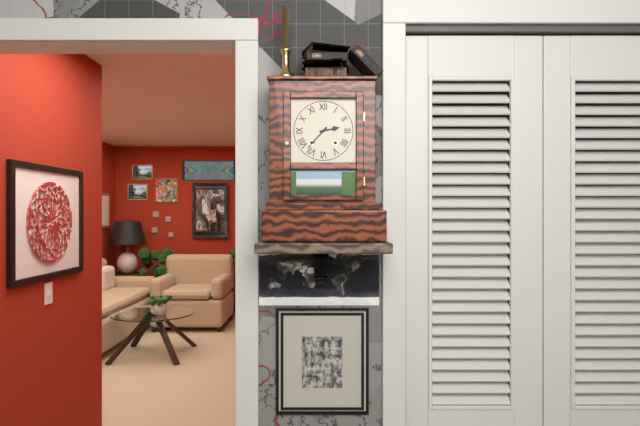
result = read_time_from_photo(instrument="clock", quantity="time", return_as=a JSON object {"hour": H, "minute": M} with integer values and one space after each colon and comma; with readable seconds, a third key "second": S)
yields {"hour": 2, "minute": 37}
